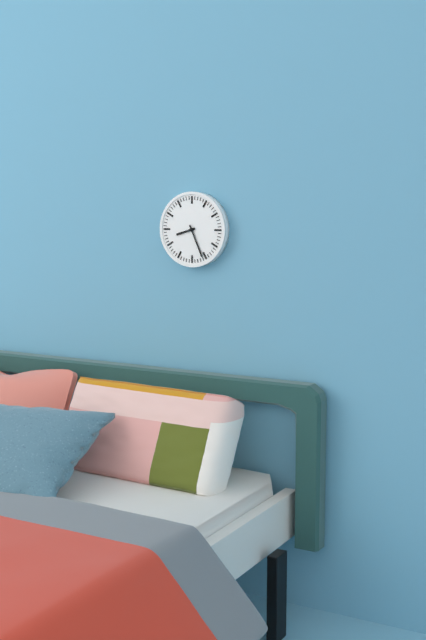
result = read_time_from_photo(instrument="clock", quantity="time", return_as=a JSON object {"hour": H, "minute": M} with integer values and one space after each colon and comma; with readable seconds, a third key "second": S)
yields {"hour": 8, "minute": 26}
